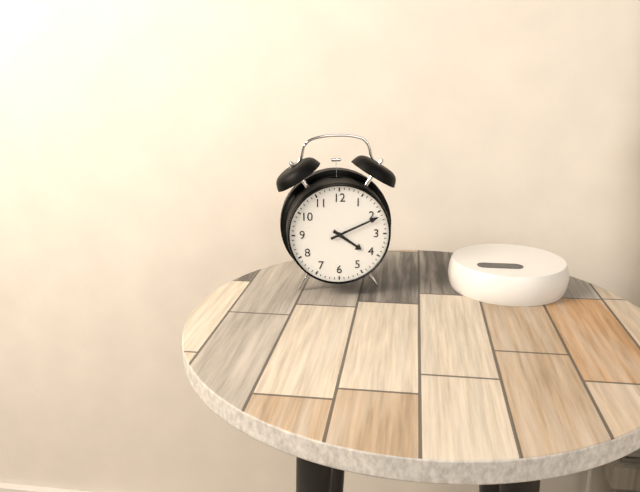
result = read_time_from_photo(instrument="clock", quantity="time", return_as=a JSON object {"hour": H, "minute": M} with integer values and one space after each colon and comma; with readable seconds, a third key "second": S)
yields {"hour": 4, "minute": 11}
